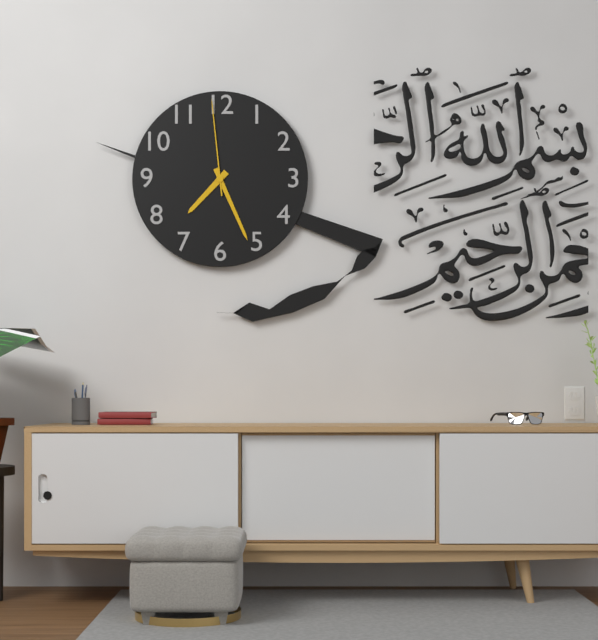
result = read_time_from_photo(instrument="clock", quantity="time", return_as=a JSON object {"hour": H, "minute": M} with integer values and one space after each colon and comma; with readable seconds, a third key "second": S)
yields {"hour": 7, "minute": 26, "second": 59}
